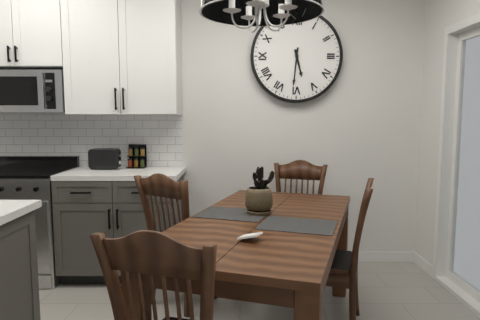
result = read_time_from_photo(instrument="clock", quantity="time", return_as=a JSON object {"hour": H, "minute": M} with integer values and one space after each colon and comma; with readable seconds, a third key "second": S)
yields {"hour": 5, "minute": 31}
